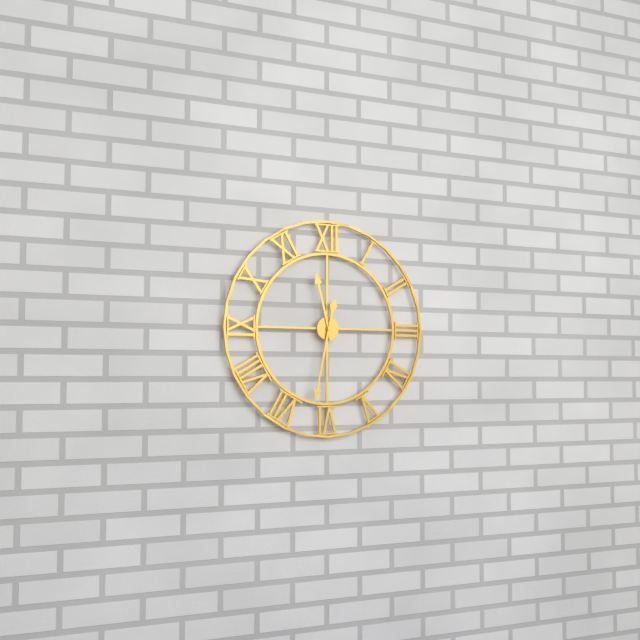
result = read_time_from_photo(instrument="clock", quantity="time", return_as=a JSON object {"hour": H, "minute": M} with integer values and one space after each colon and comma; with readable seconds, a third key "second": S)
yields {"hour": 11, "minute": 32}
